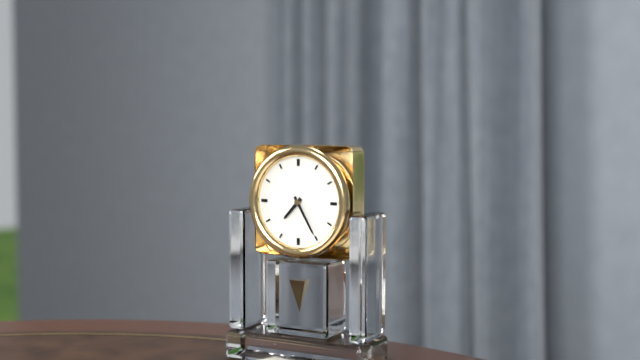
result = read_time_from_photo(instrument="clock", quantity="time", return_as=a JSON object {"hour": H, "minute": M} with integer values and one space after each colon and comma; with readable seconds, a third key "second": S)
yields {"hour": 7, "minute": 25}
